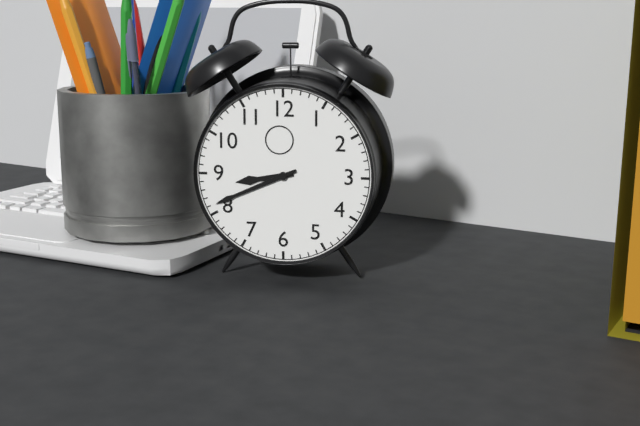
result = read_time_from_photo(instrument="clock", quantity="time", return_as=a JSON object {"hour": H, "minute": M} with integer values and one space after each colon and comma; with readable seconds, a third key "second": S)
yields {"hour": 8, "minute": 41}
